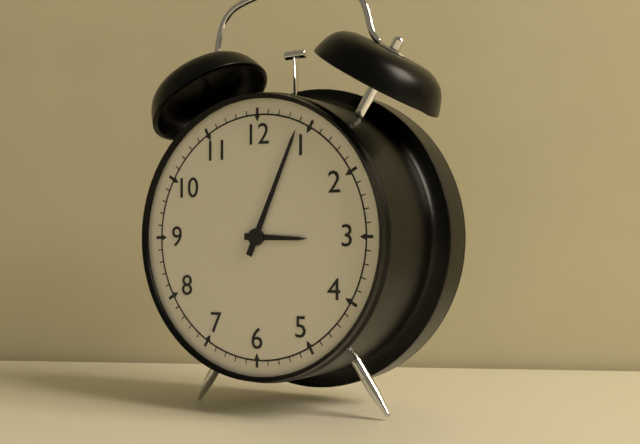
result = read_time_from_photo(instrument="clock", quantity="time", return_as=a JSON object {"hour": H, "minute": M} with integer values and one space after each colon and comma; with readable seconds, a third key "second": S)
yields {"hour": 3, "minute": 4}
